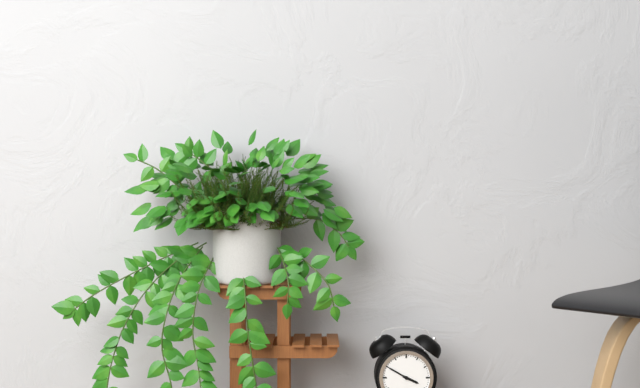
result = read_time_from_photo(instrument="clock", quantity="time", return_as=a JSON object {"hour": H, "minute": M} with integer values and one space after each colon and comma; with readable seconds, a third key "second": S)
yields {"hour": 3, "minute": 50}
